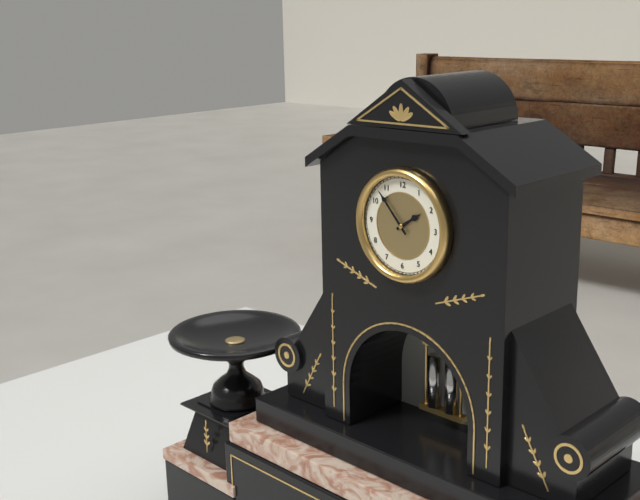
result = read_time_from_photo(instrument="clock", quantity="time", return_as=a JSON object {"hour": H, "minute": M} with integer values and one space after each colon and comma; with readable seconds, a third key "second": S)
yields {"hour": 1, "minute": 53}
